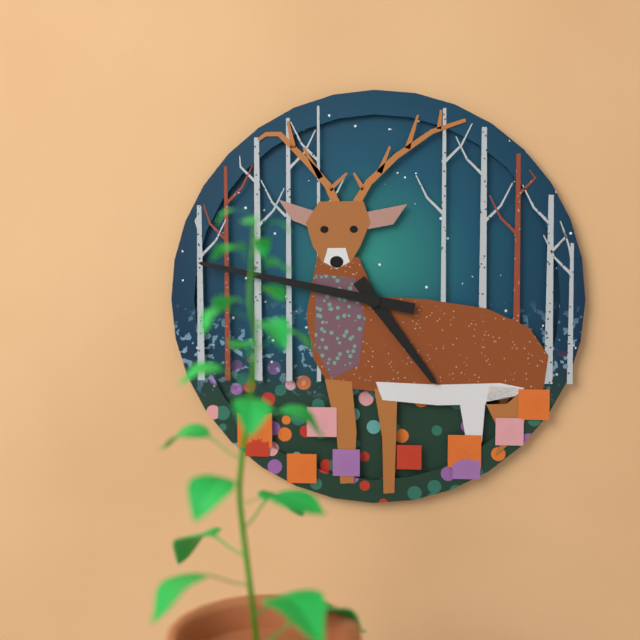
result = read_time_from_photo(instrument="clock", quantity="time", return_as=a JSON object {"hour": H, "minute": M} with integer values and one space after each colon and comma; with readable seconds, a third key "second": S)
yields {"hour": 4, "minute": 47}
